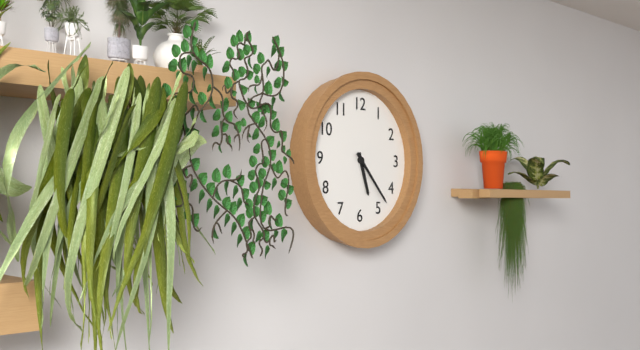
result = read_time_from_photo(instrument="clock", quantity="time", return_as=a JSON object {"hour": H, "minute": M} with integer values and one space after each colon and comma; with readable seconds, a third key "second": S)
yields {"hour": 5, "minute": 23}
